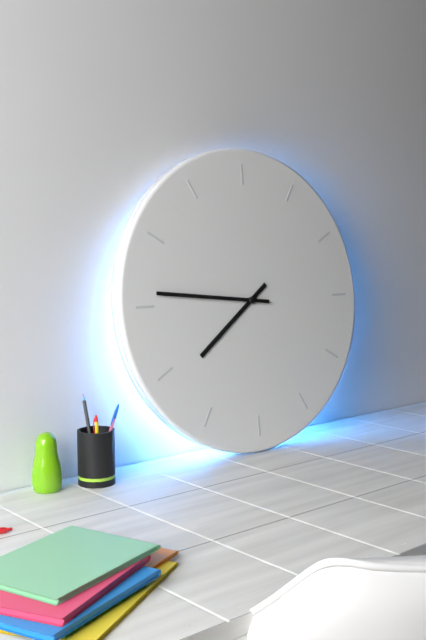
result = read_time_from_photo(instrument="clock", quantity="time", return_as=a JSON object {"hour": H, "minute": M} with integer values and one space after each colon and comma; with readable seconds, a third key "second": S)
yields {"hour": 7, "minute": 46}
